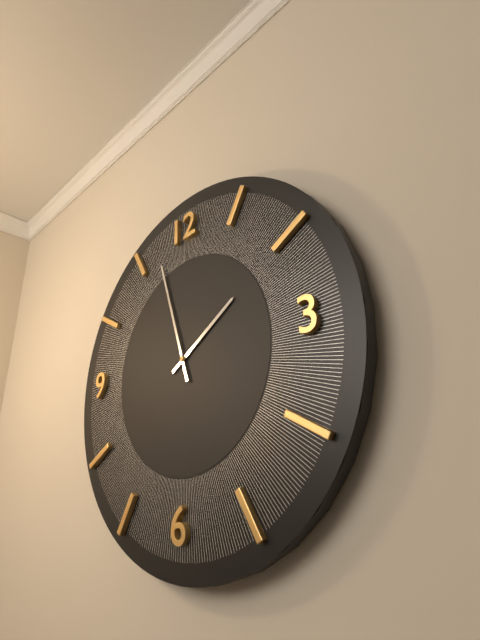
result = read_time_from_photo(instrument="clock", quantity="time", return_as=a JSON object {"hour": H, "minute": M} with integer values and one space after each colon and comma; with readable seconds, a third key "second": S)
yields {"hour": 1, "minute": 57}
